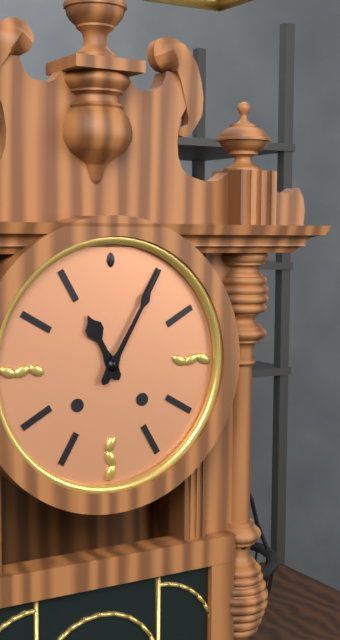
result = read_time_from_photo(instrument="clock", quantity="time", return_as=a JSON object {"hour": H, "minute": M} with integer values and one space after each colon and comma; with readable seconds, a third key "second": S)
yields {"hour": 11, "minute": 5}
